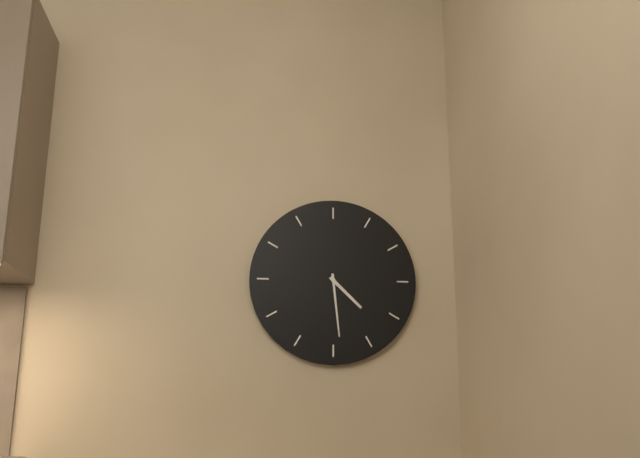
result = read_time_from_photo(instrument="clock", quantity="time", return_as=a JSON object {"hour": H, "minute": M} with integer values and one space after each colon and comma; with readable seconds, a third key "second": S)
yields {"hour": 4, "minute": 29}
